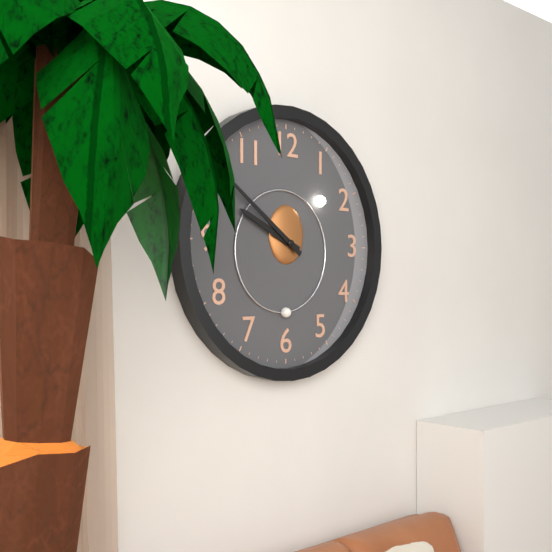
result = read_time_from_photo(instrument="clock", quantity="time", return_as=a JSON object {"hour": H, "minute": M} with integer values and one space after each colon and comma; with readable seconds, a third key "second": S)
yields {"hour": 9, "minute": 51}
